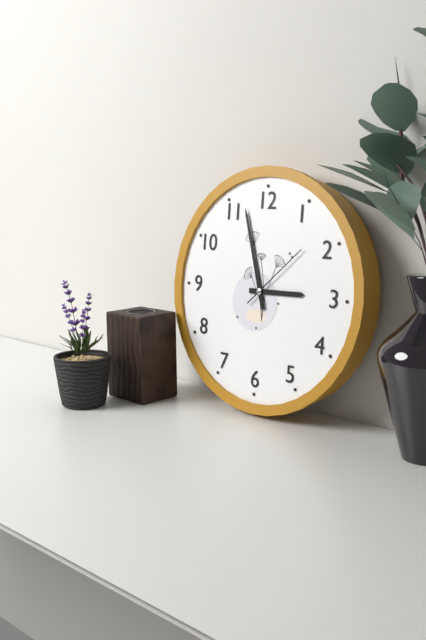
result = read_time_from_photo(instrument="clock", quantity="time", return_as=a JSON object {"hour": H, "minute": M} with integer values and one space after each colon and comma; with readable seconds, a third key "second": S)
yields {"hour": 2, "minute": 57, "second": 8}
